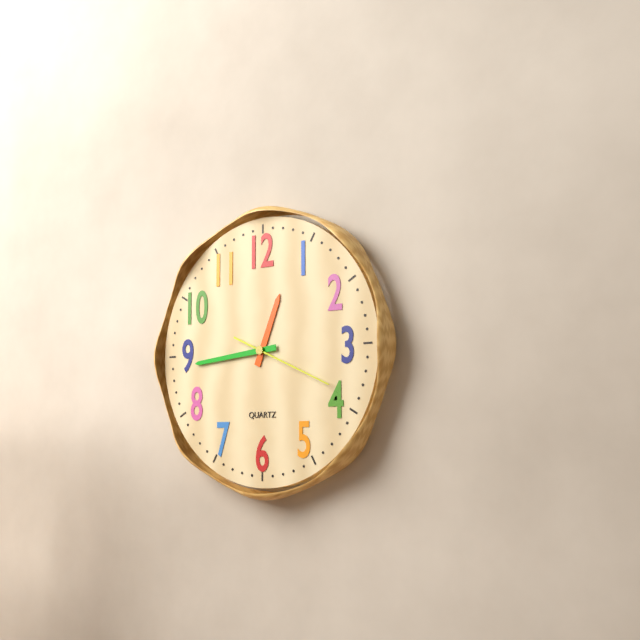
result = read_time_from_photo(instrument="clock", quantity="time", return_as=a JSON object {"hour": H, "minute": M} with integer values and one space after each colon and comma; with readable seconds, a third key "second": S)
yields {"hour": 12, "minute": 44, "second": 19}
